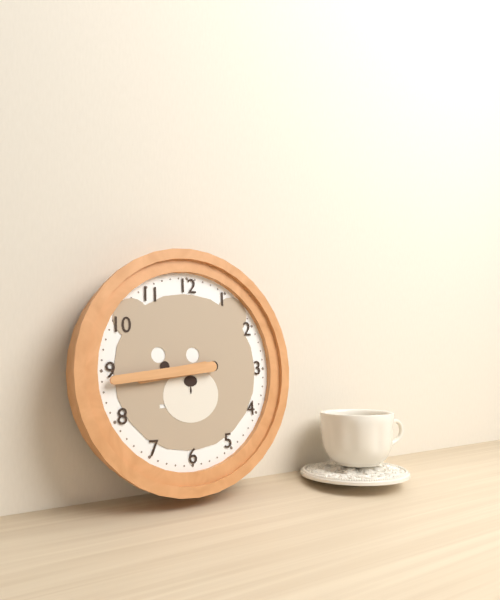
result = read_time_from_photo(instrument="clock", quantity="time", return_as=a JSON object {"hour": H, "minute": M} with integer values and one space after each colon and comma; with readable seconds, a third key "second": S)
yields {"hour": 8, "minute": 44}
